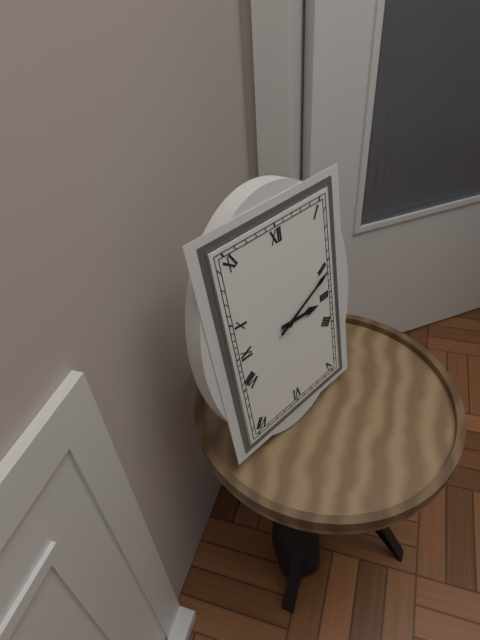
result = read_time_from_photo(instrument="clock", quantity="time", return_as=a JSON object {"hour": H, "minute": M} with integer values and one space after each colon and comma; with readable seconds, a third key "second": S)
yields {"hour": 3, "minute": 11}
